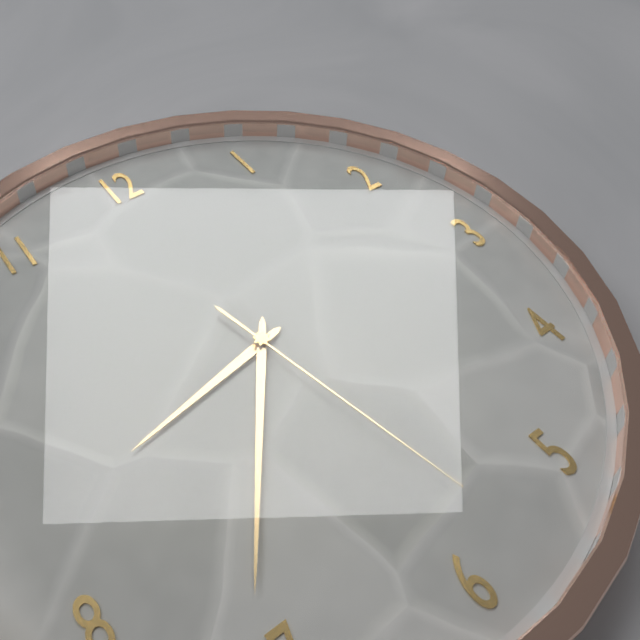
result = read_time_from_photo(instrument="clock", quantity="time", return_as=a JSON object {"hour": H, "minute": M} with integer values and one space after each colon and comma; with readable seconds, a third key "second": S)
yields {"hour": 8, "minute": 36, "second": 28}
